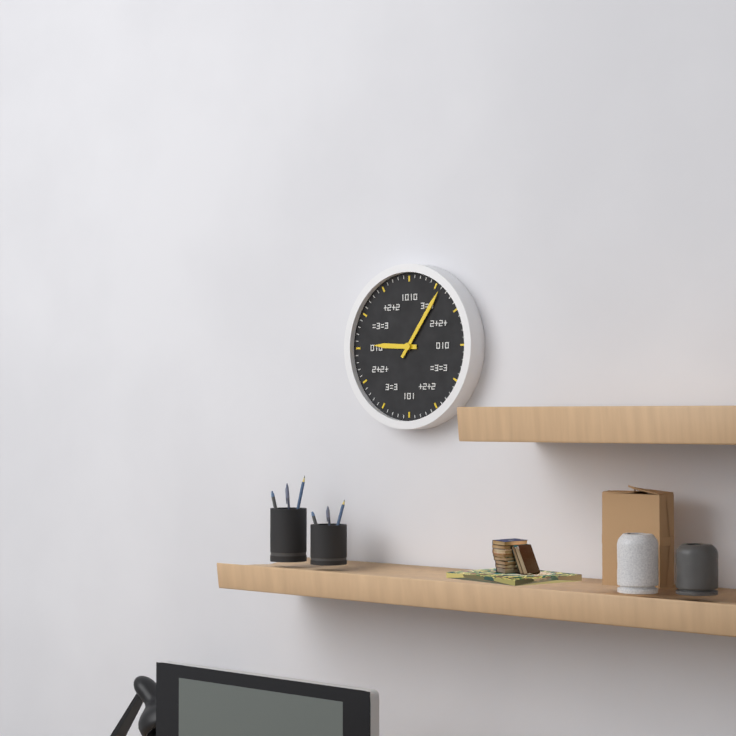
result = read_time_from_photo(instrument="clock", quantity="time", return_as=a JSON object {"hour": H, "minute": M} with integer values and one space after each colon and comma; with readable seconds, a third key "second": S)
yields {"hour": 9, "minute": 6}
